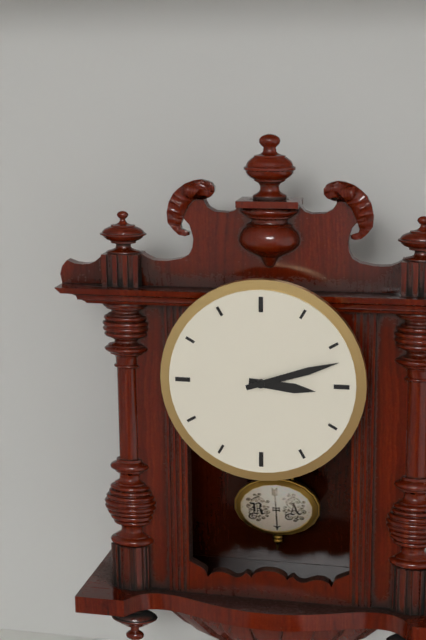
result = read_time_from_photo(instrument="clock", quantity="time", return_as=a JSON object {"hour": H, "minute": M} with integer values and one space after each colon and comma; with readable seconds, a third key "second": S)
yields {"hour": 3, "minute": 12}
